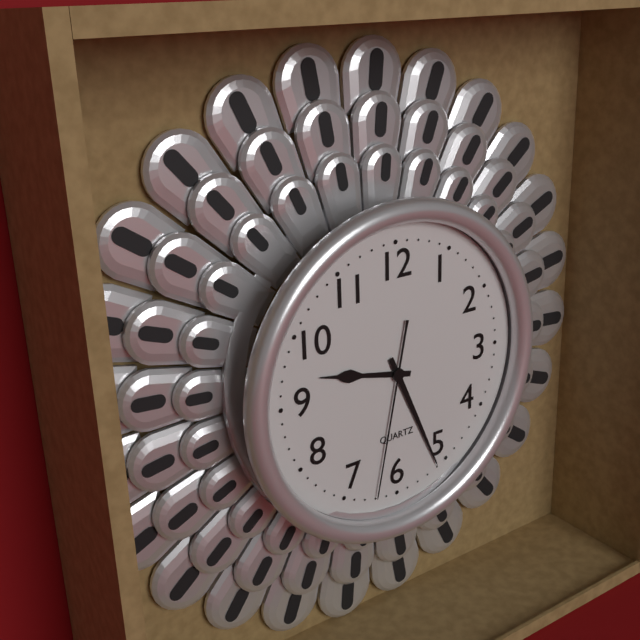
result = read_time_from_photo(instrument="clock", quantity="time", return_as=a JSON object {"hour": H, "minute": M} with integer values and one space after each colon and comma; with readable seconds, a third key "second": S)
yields {"hour": 9, "minute": 26, "second": 32}
